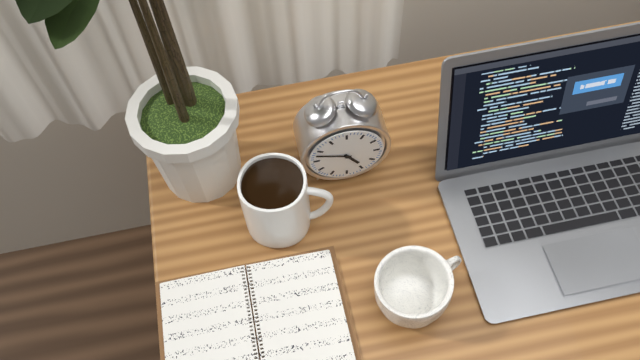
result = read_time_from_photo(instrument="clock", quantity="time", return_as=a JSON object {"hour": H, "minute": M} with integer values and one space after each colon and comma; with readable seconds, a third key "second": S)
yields {"hour": 4, "minute": 48}
